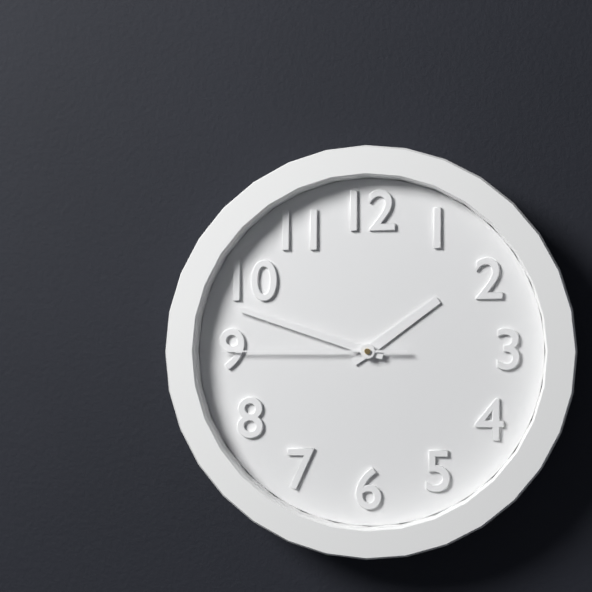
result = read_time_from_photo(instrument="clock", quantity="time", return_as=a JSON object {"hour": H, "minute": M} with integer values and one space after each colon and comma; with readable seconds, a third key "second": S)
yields {"hour": 1, "minute": 48, "second": 45}
